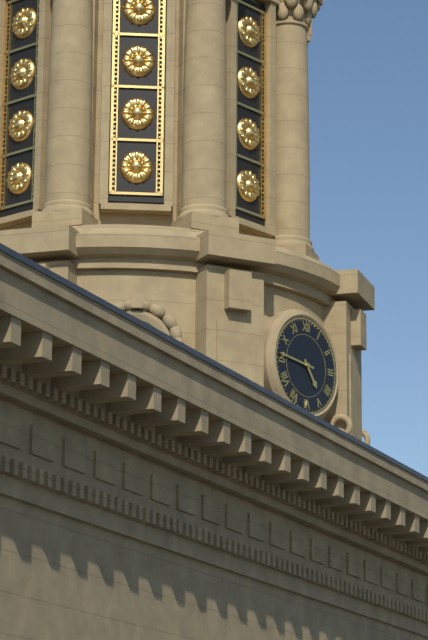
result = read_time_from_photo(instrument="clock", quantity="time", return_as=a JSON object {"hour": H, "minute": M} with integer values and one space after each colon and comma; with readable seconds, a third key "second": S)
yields {"hour": 4, "minute": 46}
